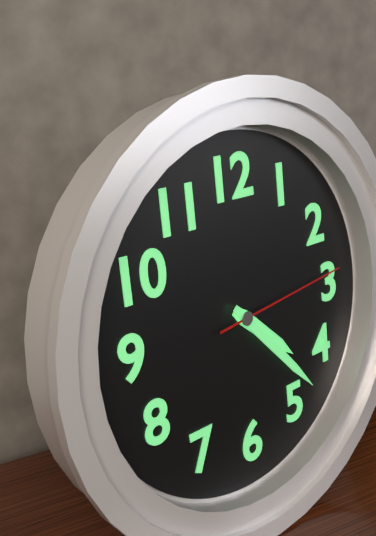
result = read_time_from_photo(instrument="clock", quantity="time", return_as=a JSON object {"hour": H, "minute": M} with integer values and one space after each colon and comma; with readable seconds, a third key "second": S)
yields {"hour": 4, "minute": 23, "second": 14}
